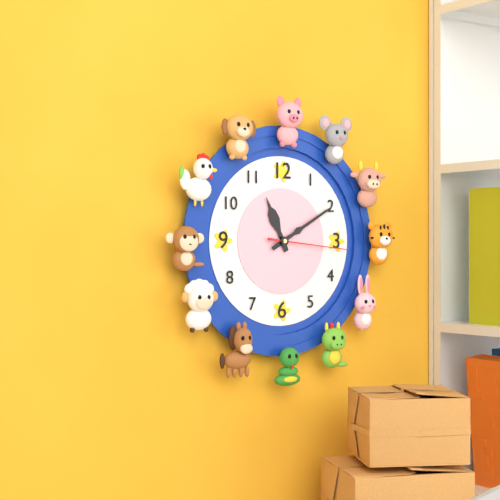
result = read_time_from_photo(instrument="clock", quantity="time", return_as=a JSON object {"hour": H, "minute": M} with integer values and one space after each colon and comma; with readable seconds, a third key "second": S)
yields {"hour": 11, "minute": 10, "second": 16}
